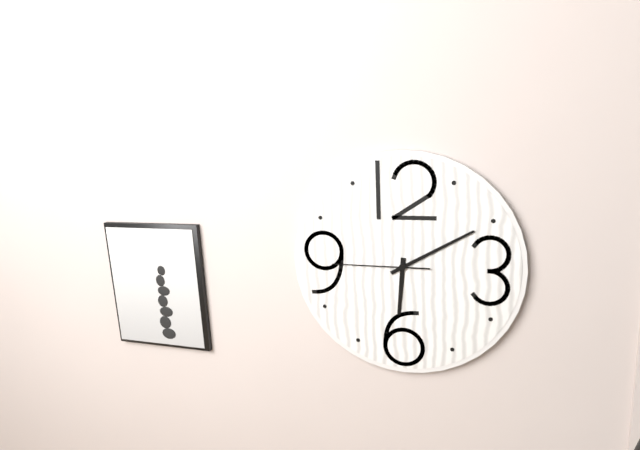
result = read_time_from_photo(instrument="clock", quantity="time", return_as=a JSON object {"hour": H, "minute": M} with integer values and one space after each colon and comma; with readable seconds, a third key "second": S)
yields {"hour": 6, "minute": 10, "second": 45}
